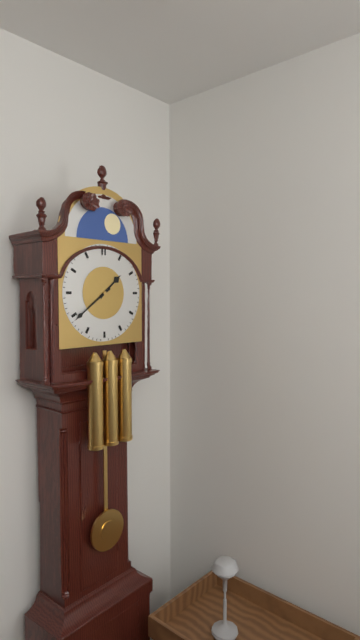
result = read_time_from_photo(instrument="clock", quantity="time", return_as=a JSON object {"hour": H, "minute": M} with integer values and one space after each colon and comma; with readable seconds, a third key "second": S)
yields {"hour": 1, "minute": 39}
